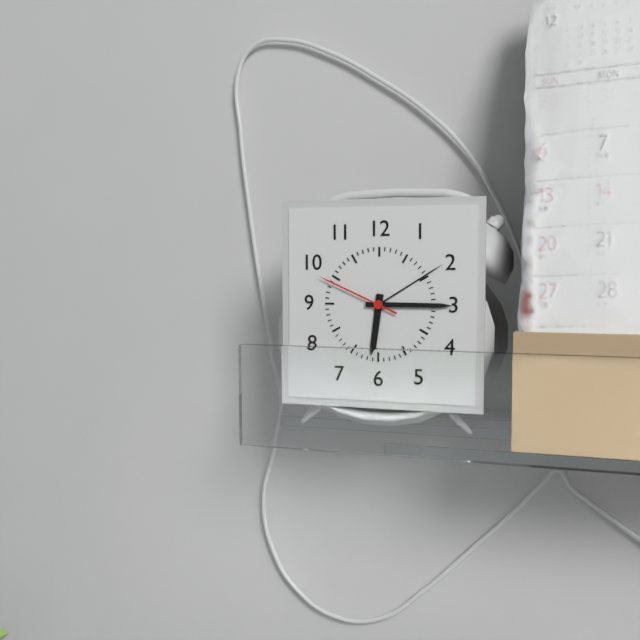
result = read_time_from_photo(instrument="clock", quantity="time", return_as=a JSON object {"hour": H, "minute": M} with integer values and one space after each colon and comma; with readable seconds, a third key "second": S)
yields {"hour": 6, "minute": 15, "second": 49}
